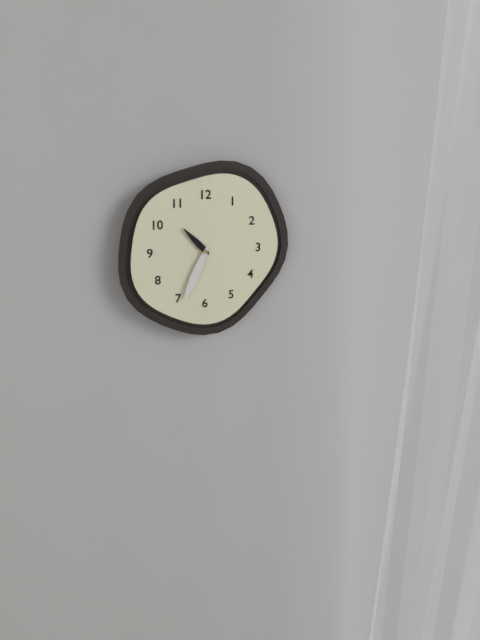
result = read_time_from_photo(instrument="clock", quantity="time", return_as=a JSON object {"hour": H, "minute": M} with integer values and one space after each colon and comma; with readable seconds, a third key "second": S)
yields {"hour": 10, "minute": 34}
